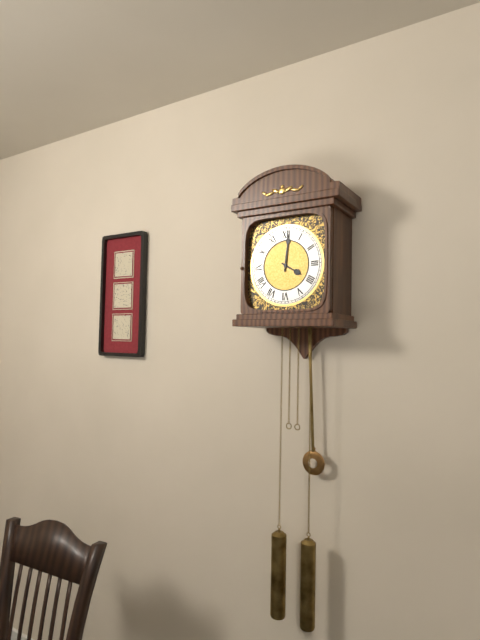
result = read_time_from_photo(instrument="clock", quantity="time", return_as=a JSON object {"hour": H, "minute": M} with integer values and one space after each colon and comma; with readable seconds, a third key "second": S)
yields {"hour": 4, "minute": 1}
